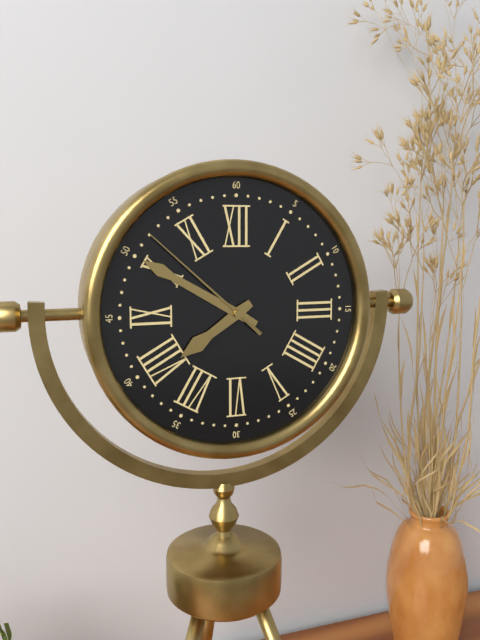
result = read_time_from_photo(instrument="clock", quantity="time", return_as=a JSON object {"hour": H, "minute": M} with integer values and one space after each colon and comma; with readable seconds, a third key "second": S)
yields {"hour": 7, "minute": 50, "second": 52}
